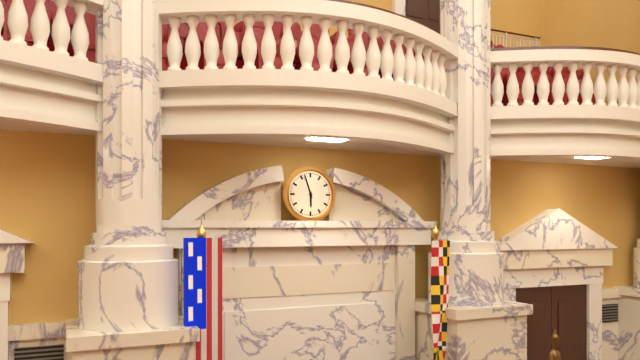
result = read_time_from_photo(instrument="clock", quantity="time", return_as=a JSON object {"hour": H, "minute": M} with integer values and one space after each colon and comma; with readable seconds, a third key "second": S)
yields {"hour": 5, "minute": 57}
